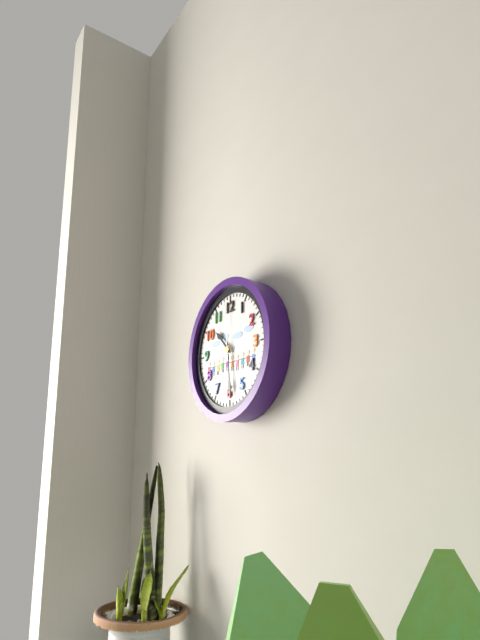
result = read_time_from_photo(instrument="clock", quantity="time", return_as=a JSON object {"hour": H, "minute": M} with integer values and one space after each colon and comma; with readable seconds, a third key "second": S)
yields {"hour": 10, "minute": 29, "second": 59}
